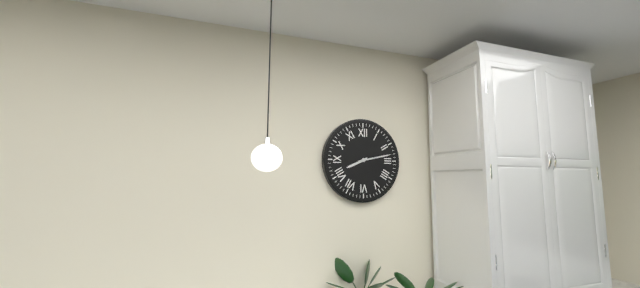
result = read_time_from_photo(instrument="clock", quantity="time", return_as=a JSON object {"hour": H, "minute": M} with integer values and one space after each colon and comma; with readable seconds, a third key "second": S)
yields {"hour": 8, "minute": 13}
